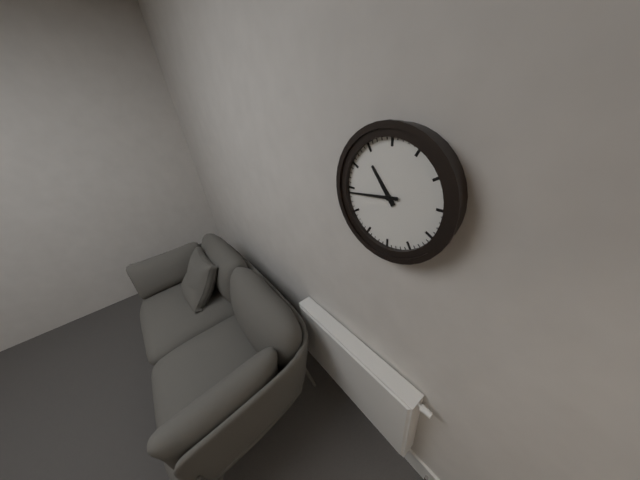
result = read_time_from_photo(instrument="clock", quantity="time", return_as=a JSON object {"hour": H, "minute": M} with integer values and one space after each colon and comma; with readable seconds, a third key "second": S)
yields {"hour": 10, "minute": 44}
